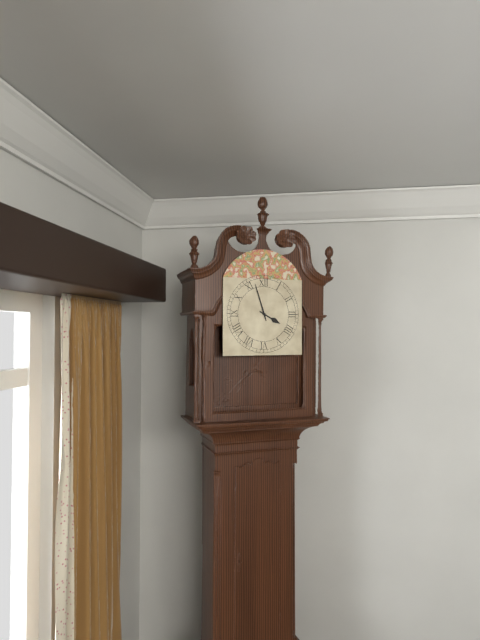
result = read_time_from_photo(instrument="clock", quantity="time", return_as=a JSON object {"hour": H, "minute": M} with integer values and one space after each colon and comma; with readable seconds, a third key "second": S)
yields {"hour": 3, "minute": 57}
